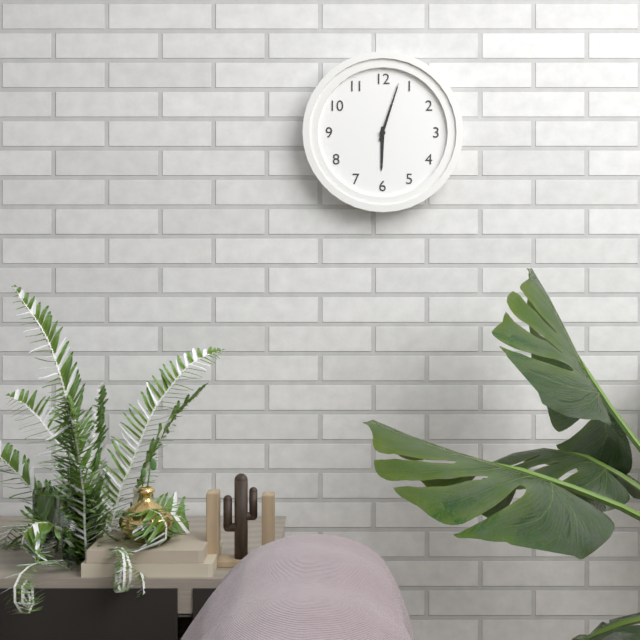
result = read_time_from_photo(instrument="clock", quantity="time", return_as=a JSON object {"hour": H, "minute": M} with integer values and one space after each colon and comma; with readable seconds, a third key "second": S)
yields {"hour": 6, "minute": 3}
